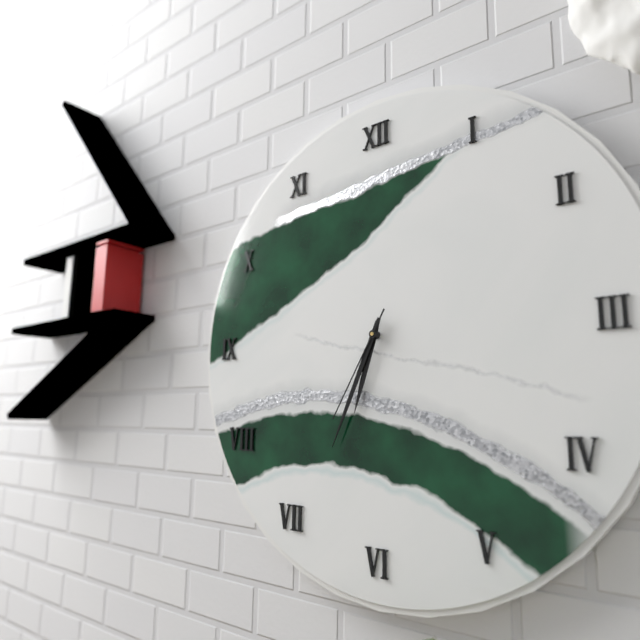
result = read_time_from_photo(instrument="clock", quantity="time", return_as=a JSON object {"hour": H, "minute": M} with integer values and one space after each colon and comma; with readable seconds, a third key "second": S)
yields {"hour": 6, "minute": 34, "second": 35}
